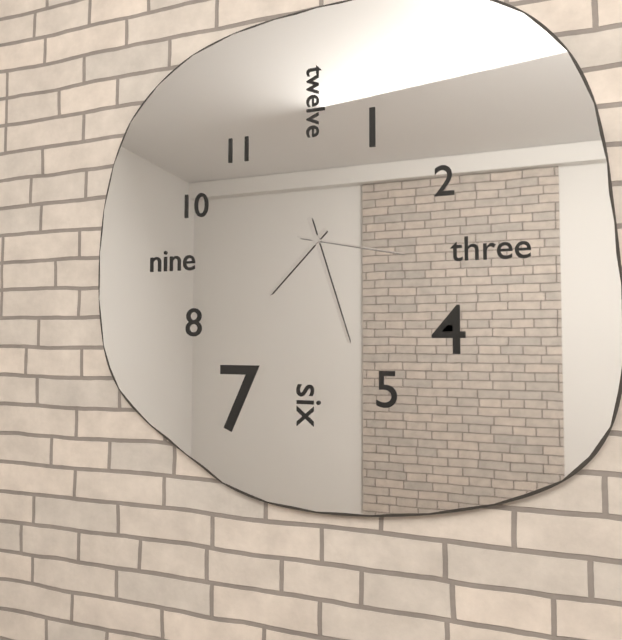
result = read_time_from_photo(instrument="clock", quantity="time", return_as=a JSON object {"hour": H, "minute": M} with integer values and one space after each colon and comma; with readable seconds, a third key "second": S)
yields {"hour": 7, "minute": 27, "second": 17}
